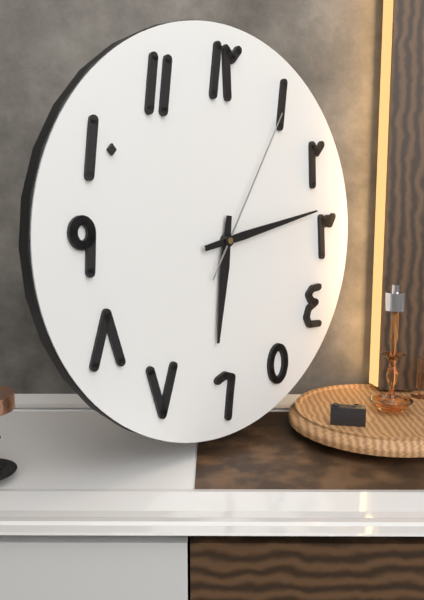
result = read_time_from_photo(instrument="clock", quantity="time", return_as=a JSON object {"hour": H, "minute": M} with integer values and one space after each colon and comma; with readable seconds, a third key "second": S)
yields {"hour": 6, "minute": 13, "second": 5}
